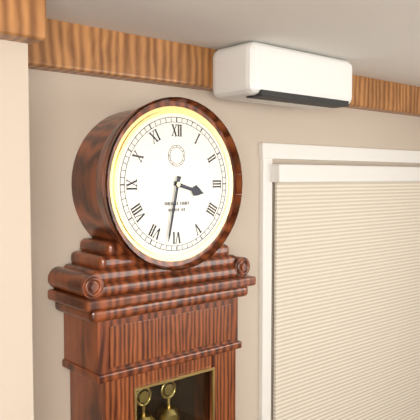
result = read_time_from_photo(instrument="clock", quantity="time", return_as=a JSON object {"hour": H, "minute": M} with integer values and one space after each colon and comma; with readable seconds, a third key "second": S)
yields {"hour": 3, "minute": 32}
